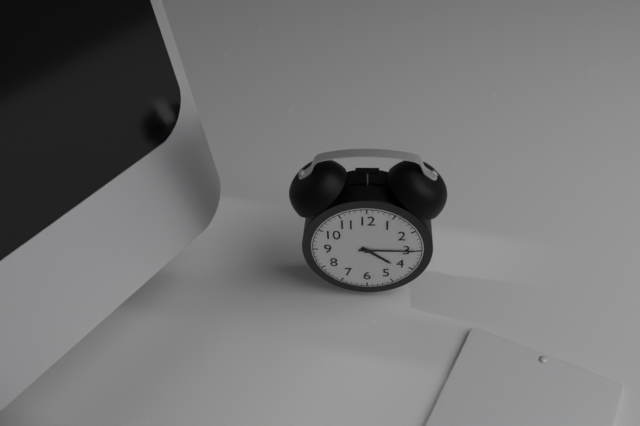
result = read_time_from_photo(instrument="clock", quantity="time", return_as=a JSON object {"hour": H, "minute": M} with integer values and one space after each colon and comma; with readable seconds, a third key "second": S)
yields {"hour": 4, "minute": 15}
